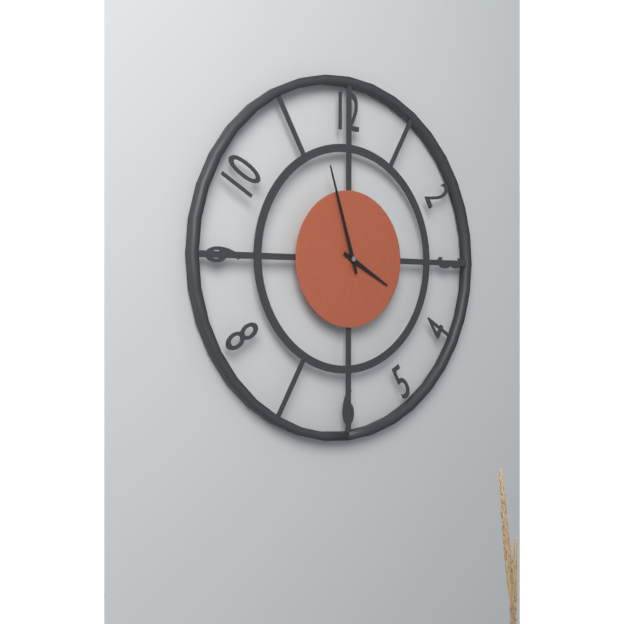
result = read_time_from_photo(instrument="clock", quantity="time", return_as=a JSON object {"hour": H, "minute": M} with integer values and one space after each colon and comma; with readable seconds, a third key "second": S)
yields {"hour": 3, "minute": 57}
